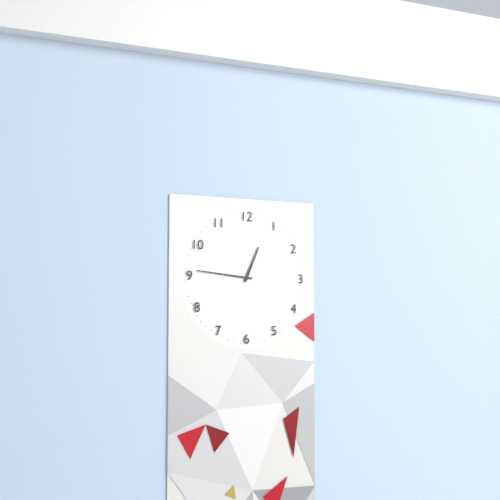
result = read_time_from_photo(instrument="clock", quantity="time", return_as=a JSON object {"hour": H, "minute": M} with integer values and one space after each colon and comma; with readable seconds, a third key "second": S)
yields {"hour": 12, "minute": 46}
